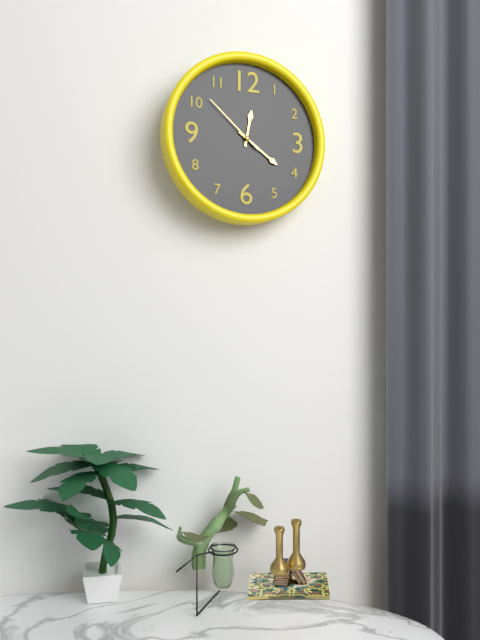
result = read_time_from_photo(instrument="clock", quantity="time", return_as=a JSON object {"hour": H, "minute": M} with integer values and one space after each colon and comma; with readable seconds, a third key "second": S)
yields {"hour": 12, "minute": 21, "second": 52}
